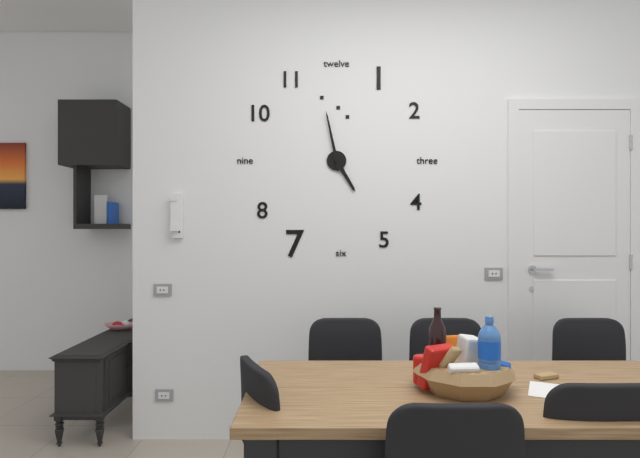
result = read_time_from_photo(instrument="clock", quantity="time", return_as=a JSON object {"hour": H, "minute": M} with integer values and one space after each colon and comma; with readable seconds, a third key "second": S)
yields {"hour": 4, "minute": 58}
